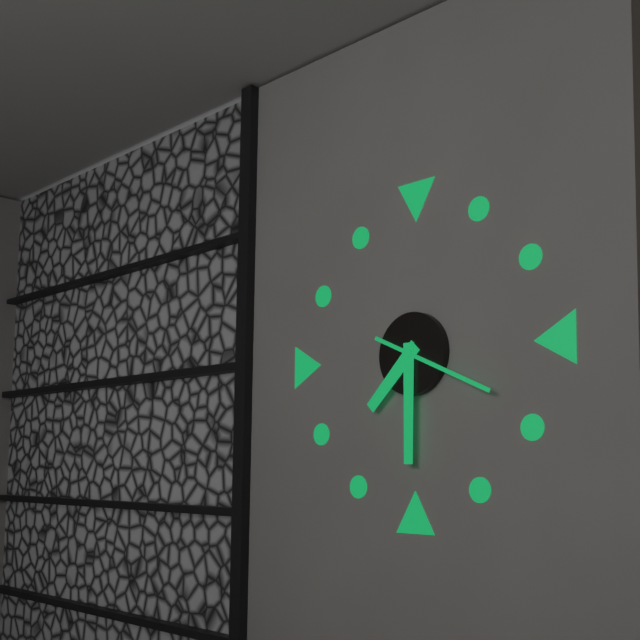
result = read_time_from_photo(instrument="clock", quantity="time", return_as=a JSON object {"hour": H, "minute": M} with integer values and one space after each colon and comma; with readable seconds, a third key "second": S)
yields {"hour": 7, "minute": 30, "second": 19}
